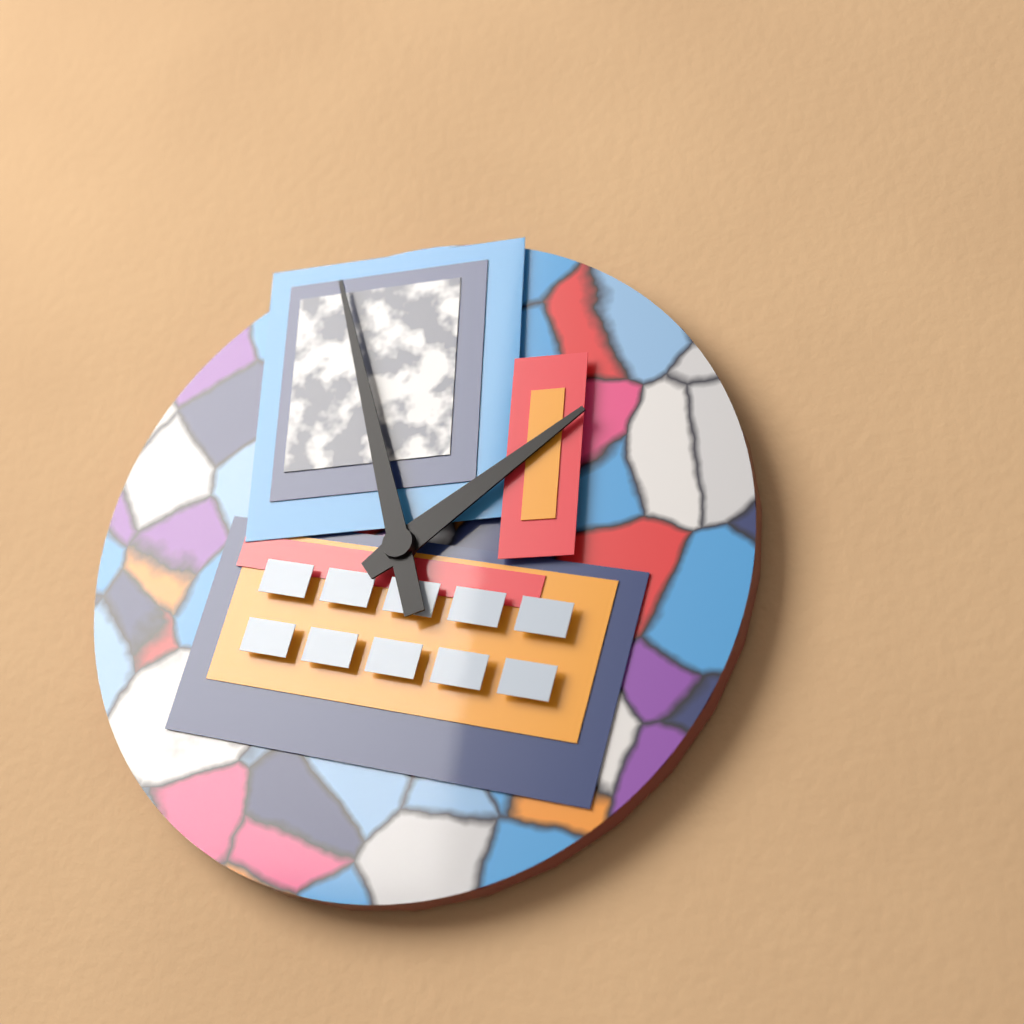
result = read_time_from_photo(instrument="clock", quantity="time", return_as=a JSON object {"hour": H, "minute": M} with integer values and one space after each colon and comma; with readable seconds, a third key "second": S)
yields {"hour": 1, "minute": 58}
